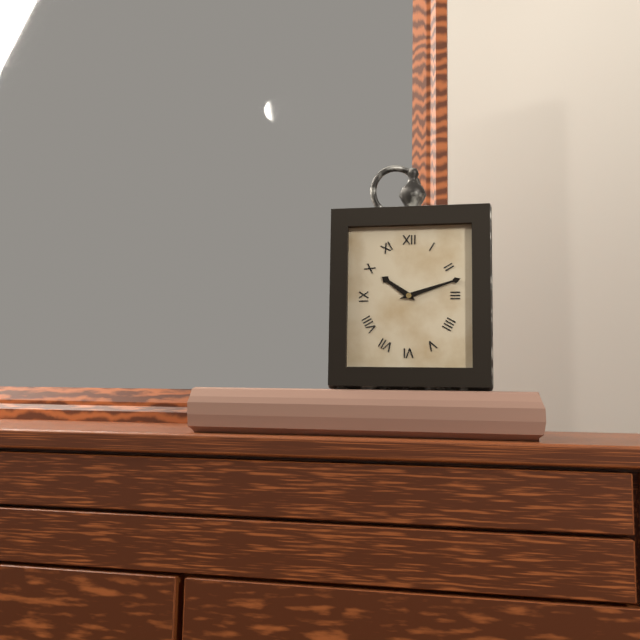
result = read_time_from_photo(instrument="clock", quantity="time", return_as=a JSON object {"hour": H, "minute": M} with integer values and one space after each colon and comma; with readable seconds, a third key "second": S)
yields {"hour": 10, "minute": 12}
